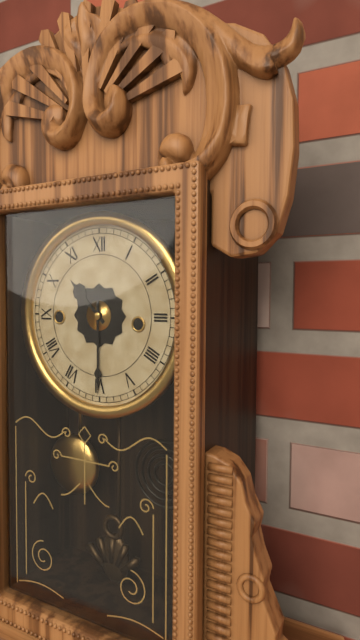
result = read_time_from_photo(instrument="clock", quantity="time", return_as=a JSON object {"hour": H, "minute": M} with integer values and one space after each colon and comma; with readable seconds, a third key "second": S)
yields {"hour": 10, "minute": 30}
